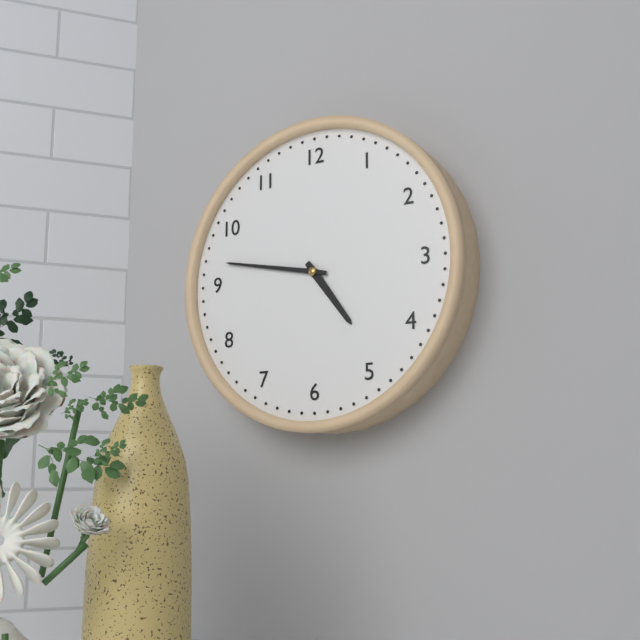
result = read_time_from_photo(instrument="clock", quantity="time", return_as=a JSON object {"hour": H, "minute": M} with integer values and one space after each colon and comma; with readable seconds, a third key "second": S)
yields {"hour": 4, "minute": 47}
